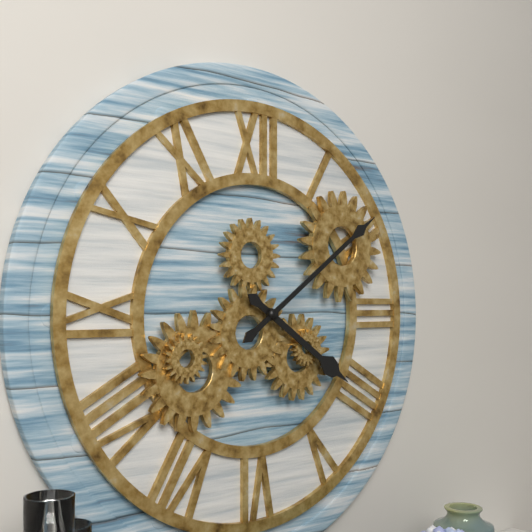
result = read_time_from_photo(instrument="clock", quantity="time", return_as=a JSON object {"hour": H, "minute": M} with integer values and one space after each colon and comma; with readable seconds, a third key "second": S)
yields {"hour": 4, "minute": 9}
